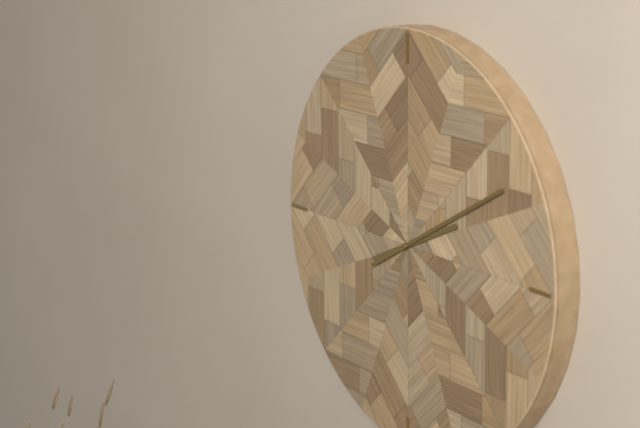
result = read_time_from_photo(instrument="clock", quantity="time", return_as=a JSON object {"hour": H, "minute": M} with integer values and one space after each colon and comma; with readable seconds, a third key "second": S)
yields {"hour": 2, "minute": 10}
